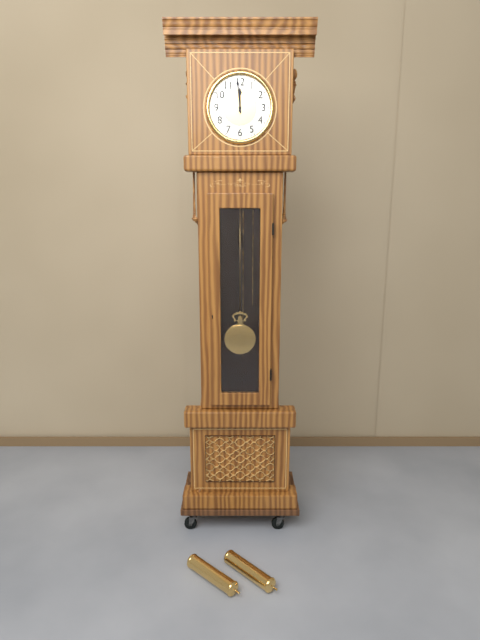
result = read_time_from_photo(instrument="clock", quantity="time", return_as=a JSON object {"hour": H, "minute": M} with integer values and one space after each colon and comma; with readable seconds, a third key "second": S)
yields {"hour": 11, "minute": 59}
